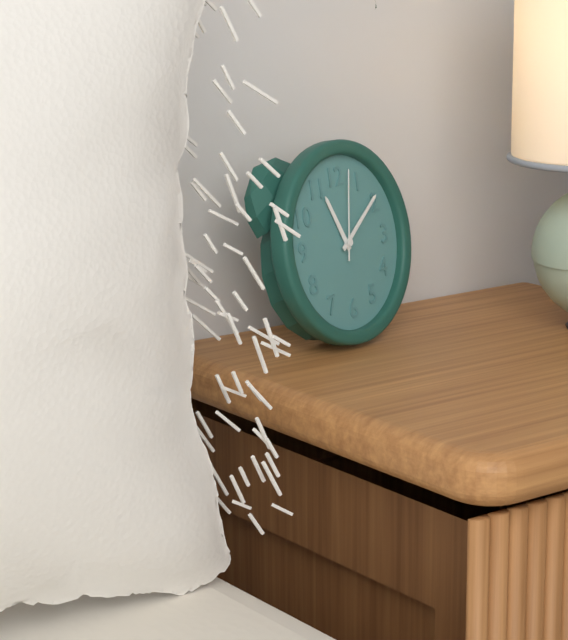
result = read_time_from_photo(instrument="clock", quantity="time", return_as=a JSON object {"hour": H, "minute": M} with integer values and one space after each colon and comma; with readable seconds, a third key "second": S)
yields {"hour": 11, "minute": 9, "second": 2}
